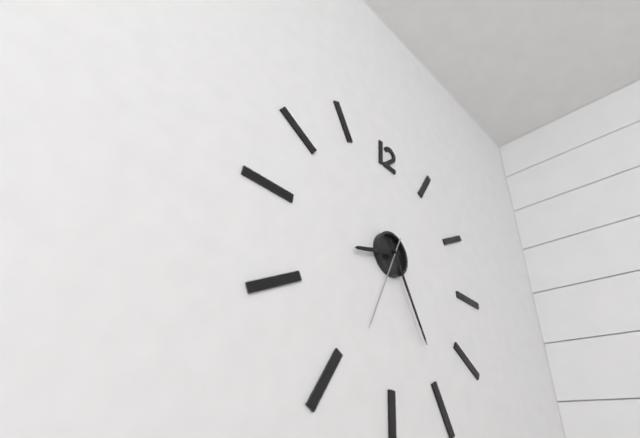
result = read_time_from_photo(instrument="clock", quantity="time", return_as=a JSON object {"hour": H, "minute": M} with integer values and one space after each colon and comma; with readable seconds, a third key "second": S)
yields {"hour": 8, "minute": 25, "second": 34}
